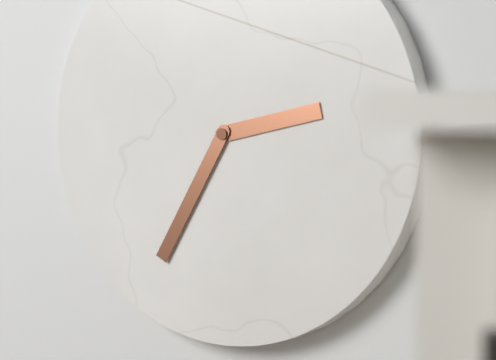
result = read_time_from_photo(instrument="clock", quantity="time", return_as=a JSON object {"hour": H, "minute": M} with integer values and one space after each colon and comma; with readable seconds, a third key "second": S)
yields {"hour": 2, "minute": 35}
